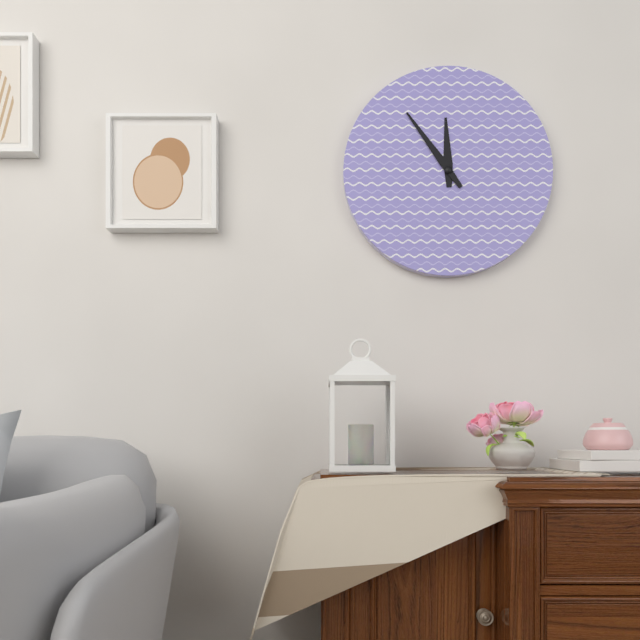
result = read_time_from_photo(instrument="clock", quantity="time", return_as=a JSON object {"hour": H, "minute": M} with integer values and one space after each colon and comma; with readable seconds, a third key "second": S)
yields {"hour": 11, "minute": 54}
